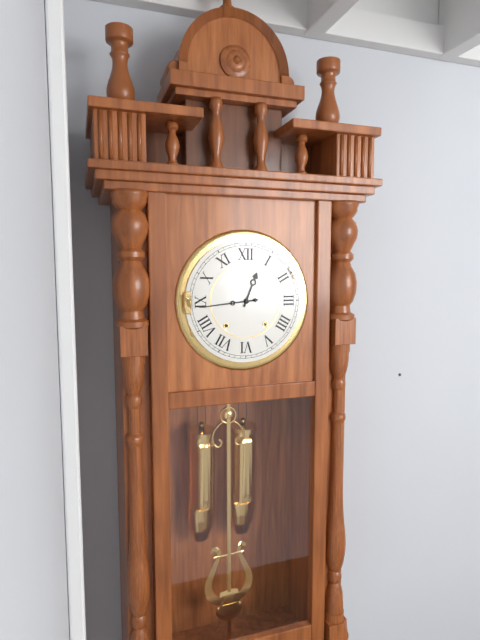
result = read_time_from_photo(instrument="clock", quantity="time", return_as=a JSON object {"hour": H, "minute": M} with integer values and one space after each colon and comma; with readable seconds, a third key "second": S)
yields {"hour": 12, "minute": 44}
